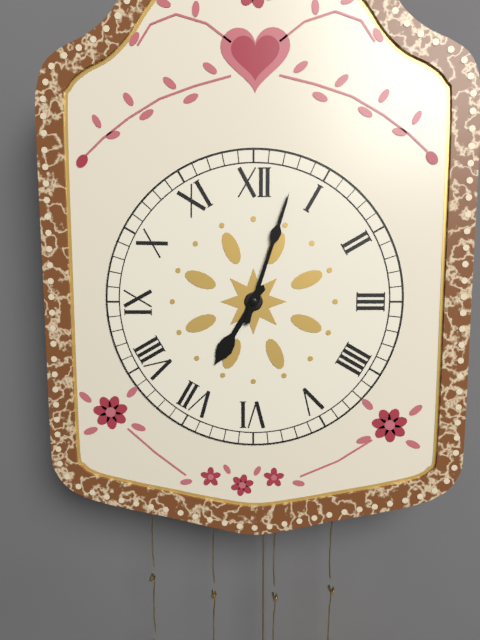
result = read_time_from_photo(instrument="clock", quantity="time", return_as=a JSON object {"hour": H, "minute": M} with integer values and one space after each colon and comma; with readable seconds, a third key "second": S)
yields {"hour": 7, "minute": 3}
